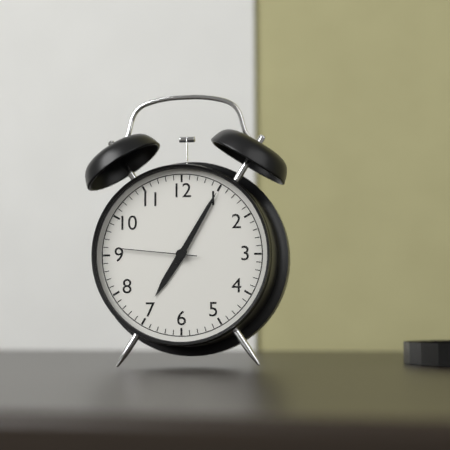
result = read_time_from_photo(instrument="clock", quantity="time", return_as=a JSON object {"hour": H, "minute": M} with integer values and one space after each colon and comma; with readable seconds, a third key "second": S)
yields {"hour": 7, "minute": 5, "second": 46}
